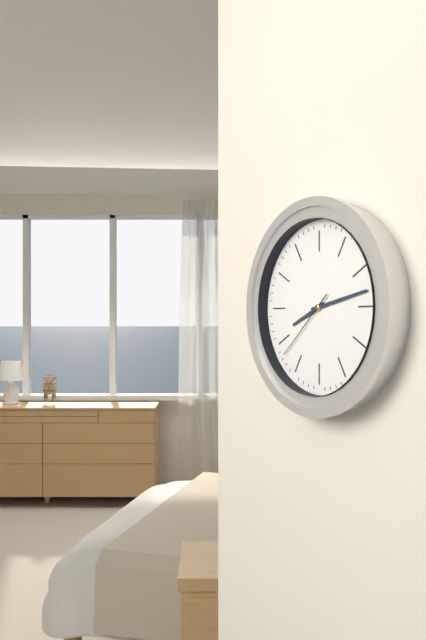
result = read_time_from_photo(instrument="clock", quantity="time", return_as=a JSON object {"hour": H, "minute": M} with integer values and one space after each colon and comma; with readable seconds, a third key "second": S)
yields {"hour": 8, "minute": 13, "second": 38}
